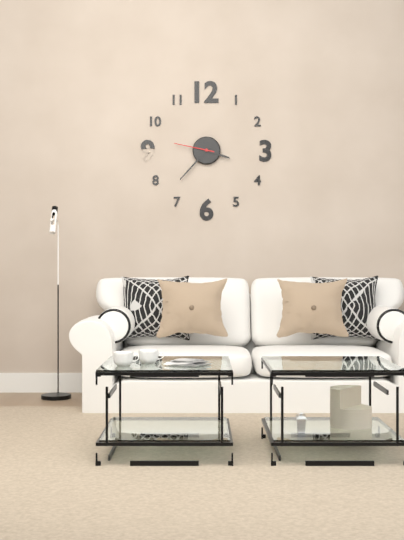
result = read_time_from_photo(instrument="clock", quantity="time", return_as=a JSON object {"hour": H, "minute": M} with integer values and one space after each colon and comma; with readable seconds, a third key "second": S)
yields {"hour": 3, "minute": 37}
